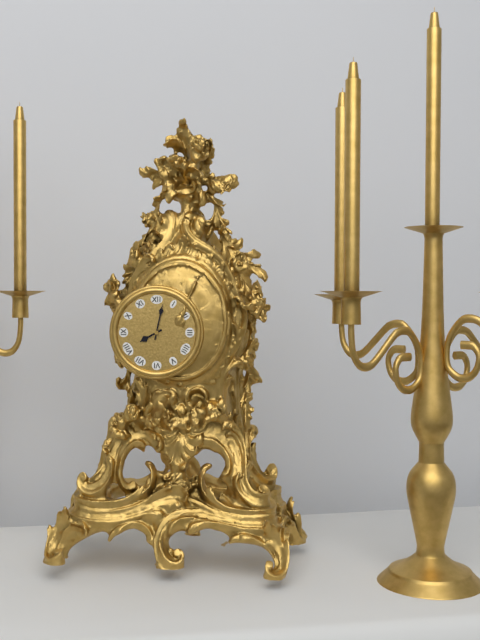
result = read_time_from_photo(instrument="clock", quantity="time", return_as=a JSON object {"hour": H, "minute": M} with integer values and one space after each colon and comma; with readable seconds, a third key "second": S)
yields {"hour": 8, "minute": 2}
